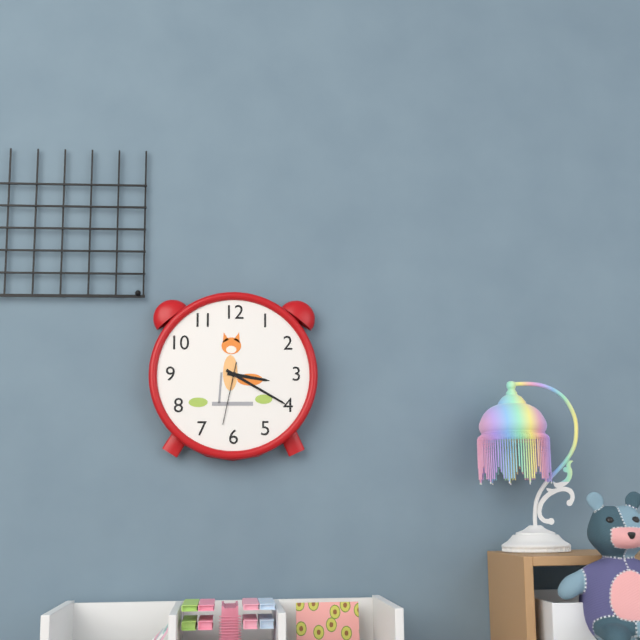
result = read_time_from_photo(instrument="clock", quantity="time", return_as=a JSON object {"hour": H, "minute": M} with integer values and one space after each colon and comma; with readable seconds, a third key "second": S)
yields {"hour": 3, "minute": 20, "second": 32}
